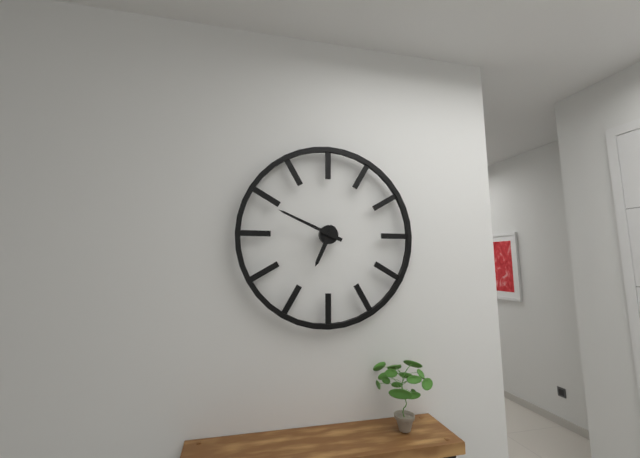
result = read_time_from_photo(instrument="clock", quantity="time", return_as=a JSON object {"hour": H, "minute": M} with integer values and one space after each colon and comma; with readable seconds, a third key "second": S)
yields {"hour": 6, "minute": 49}
